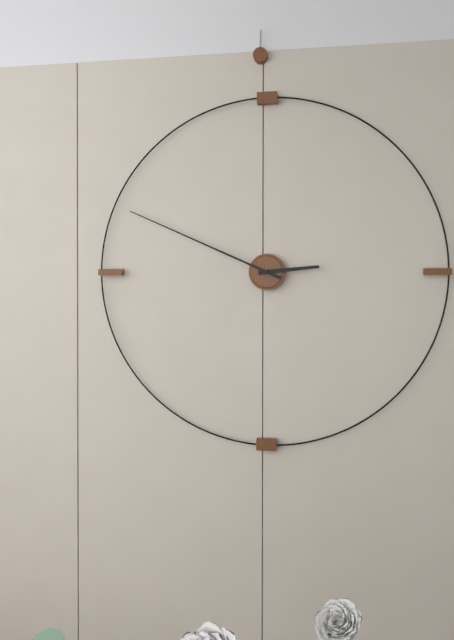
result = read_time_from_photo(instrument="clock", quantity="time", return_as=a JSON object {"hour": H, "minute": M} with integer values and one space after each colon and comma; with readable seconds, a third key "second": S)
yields {"hour": 2, "minute": 49}
